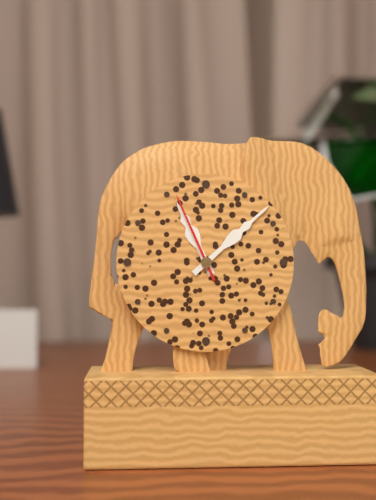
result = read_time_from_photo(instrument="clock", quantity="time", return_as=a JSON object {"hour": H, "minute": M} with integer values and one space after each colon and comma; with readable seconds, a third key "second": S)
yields {"hour": 11, "minute": 8, "second": 56}
